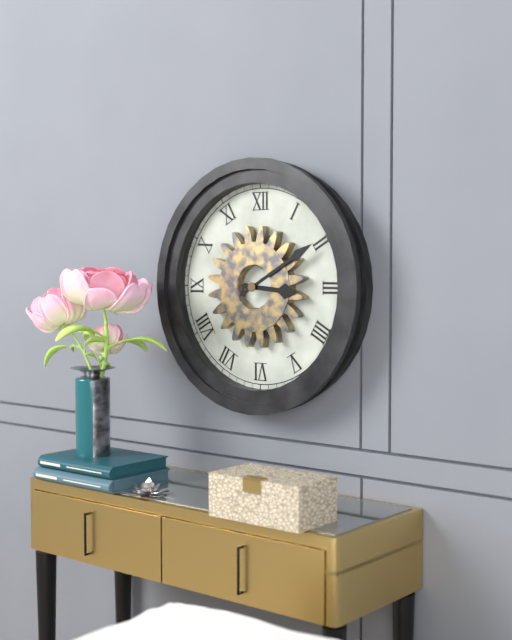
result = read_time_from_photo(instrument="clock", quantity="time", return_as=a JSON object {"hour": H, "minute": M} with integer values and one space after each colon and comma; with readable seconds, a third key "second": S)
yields {"hour": 3, "minute": 10}
